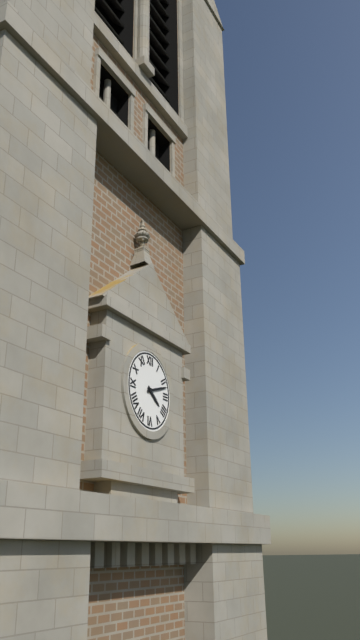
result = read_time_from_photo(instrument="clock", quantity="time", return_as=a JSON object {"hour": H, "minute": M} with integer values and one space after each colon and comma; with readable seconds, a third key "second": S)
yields {"hour": 4, "minute": 12}
